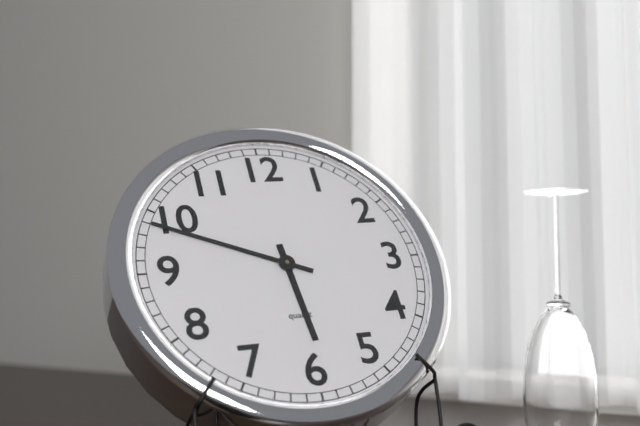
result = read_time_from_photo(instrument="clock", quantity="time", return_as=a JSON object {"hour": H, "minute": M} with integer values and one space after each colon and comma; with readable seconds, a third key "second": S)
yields {"hour": 5, "minute": 49}
